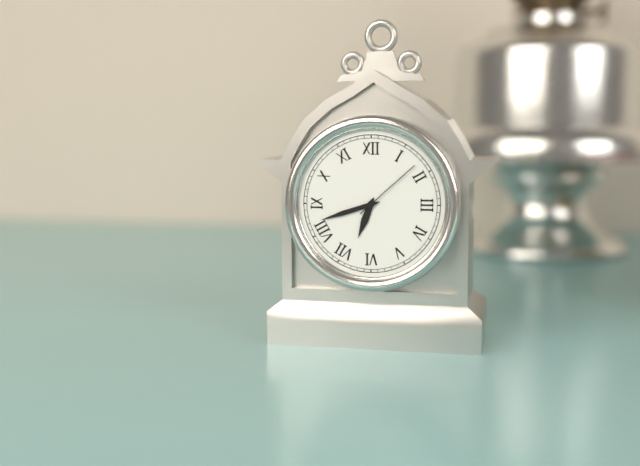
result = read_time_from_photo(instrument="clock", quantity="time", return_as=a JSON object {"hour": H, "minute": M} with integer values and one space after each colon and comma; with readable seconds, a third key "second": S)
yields {"hour": 6, "minute": 42, "second": 8}
